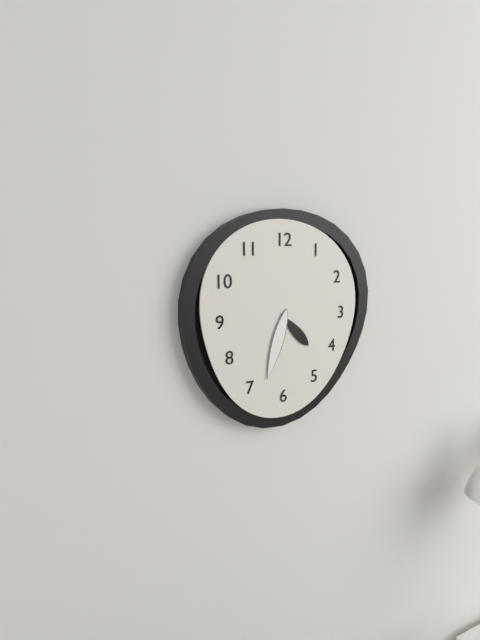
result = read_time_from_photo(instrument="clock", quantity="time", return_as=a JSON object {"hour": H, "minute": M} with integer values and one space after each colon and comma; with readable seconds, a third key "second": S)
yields {"hour": 4, "minute": 33}
